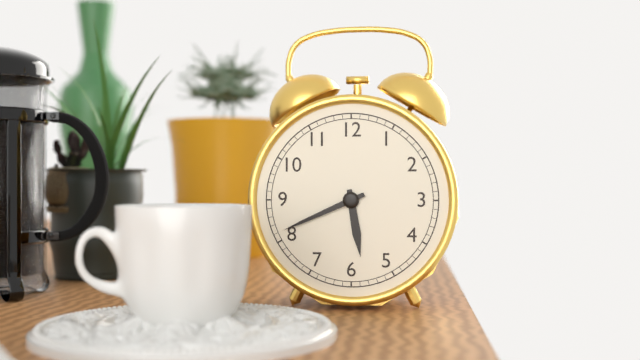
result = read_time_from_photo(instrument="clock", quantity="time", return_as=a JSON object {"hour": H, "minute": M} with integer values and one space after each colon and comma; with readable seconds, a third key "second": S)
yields {"hour": 5, "minute": 41}
